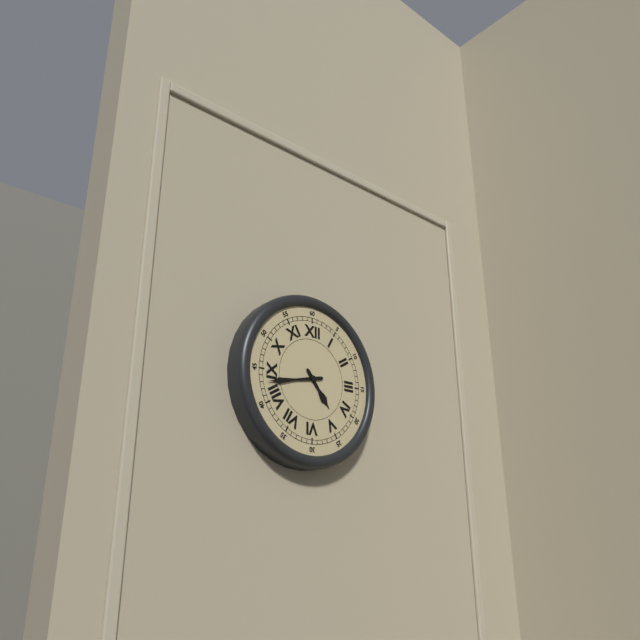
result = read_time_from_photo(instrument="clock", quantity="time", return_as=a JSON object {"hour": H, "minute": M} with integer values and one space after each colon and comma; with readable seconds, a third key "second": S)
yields {"hour": 4, "minute": 43}
